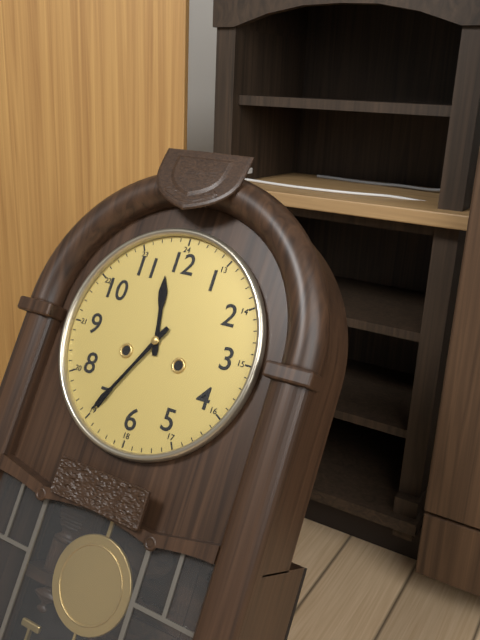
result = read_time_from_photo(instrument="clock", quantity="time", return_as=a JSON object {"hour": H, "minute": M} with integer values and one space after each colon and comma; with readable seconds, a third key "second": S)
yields {"hour": 11, "minute": 35}
